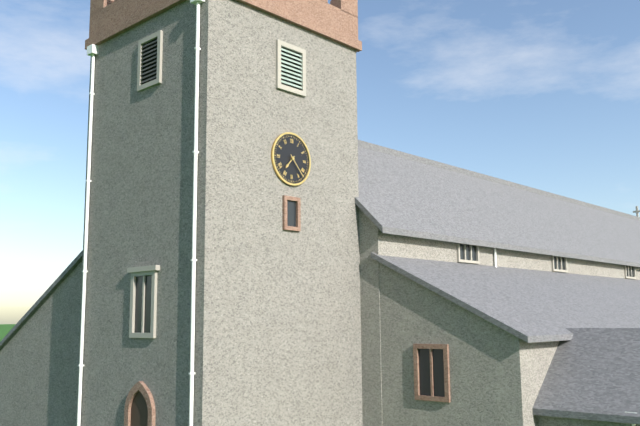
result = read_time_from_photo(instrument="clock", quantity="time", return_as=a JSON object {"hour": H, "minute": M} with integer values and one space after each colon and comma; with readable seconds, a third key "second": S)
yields {"hour": 7, "minute": 23}
